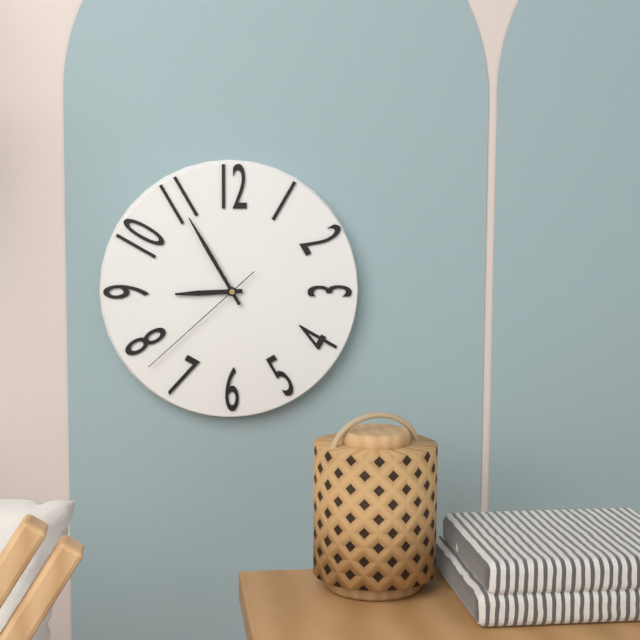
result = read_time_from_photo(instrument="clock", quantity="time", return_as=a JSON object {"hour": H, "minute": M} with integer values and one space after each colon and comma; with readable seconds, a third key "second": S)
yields {"hour": 8, "minute": 55, "second": 38}
